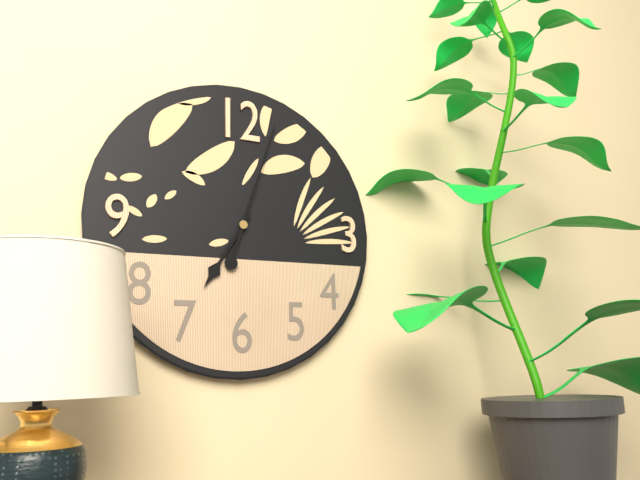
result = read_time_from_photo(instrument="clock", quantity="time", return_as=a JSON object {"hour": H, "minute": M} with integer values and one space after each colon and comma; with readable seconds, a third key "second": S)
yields {"hour": 7, "minute": 3}
